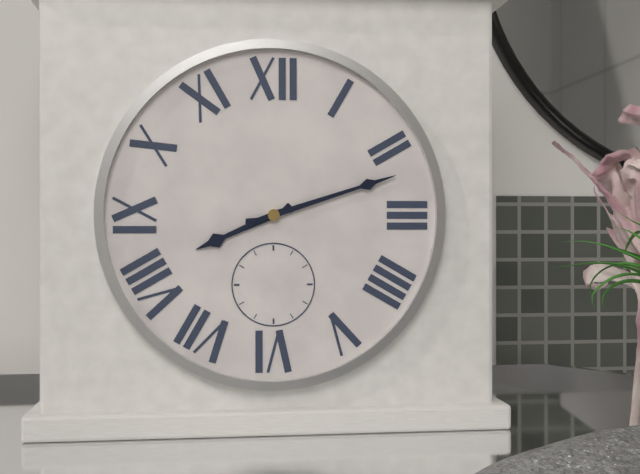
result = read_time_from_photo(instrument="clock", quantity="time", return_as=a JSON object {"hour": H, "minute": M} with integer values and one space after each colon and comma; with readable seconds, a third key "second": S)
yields {"hour": 8, "minute": 12}
